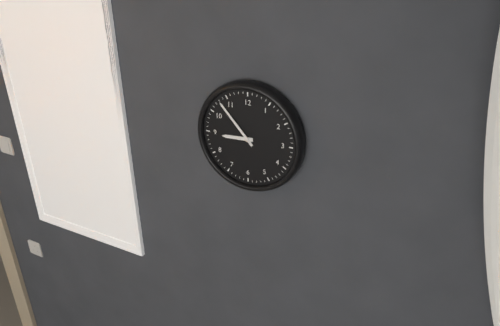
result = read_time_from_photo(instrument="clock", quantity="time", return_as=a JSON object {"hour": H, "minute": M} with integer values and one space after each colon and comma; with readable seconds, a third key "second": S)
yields {"hour": 8, "minute": 53}
